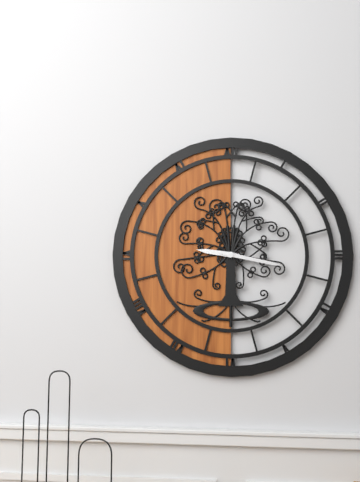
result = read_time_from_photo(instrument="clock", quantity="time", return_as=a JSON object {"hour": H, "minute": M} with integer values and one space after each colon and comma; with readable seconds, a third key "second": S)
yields {"hour": 9, "minute": 17}
